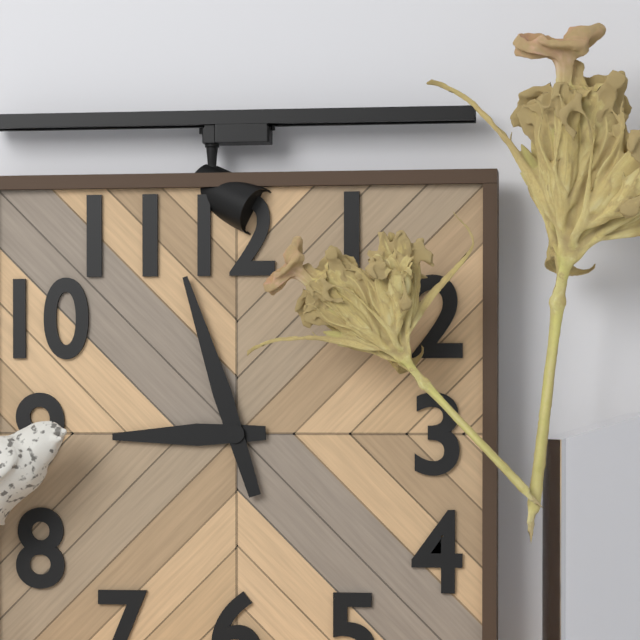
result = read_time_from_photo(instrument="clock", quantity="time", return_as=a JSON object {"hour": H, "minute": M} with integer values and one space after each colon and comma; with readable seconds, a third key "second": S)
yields {"hour": 8, "minute": 57}
